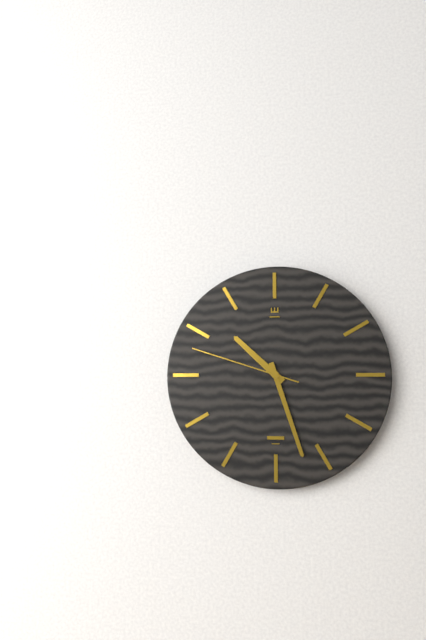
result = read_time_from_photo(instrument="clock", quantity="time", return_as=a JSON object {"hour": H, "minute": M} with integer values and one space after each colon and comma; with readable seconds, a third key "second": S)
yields {"hour": 10, "minute": 27, "second": 48}
